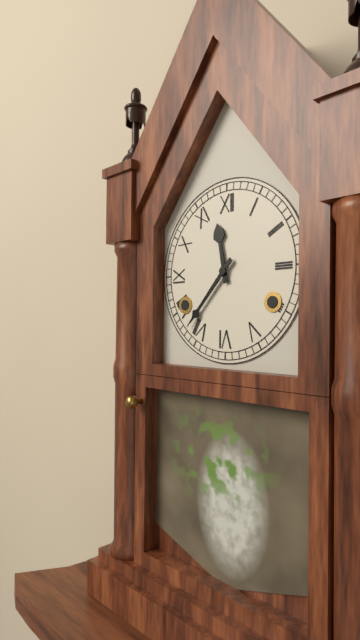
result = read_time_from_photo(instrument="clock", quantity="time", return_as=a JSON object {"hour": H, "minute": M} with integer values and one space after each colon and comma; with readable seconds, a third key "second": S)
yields {"hour": 11, "minute": 37}
